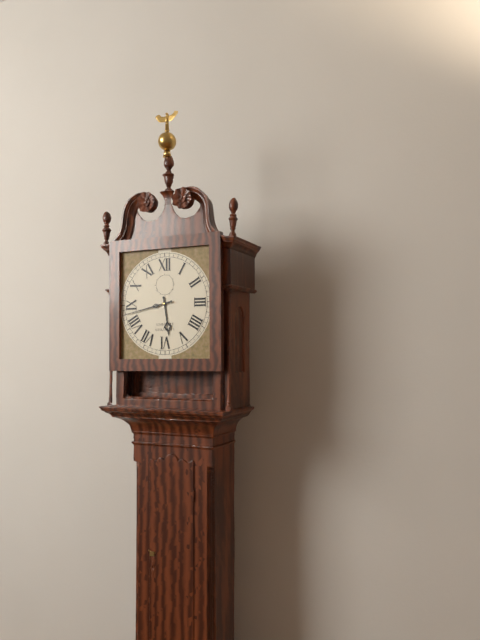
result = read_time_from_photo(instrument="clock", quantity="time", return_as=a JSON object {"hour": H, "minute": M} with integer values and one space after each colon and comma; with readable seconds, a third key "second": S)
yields {"hour": 5, "minute": 43}
